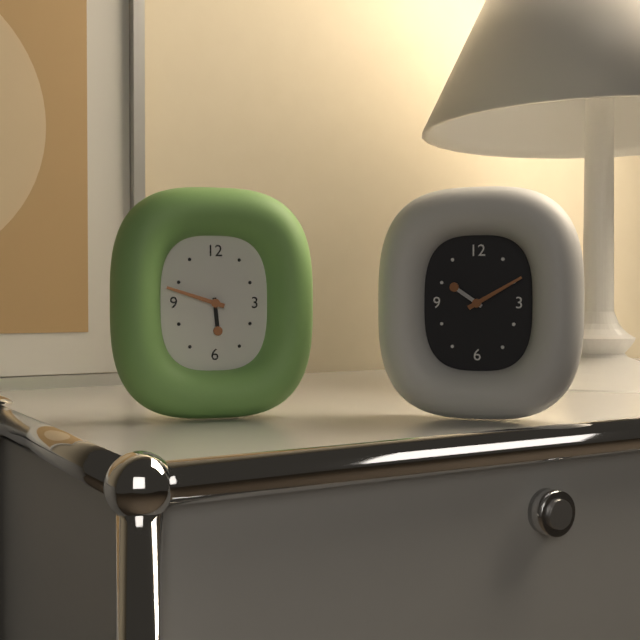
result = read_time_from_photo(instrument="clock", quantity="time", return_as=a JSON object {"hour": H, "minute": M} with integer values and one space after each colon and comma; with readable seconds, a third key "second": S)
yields {"hour": 5, "minute": 48}
